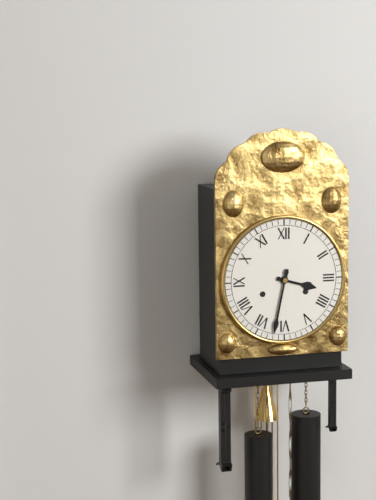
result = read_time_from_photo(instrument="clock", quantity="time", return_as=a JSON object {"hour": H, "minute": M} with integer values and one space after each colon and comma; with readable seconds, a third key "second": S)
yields {"hour": 3, "minute": 32}
